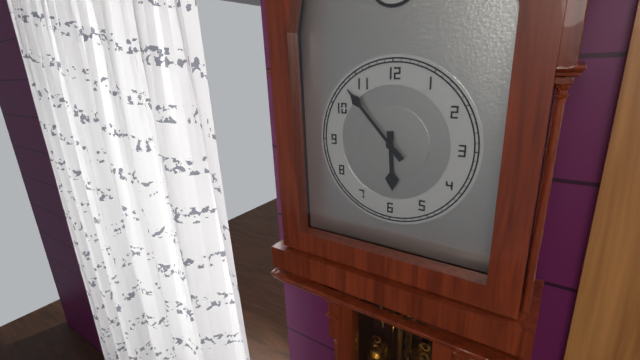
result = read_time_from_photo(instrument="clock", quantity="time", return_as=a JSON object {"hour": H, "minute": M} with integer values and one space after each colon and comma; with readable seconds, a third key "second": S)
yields {"hour": 5, "minute": 53}
